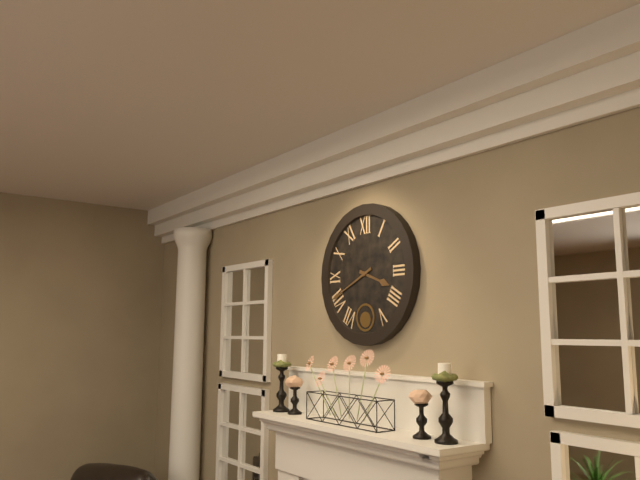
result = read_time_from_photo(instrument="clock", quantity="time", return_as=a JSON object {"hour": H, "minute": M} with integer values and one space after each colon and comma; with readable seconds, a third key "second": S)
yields {"hour": 3, "minute": 41}
